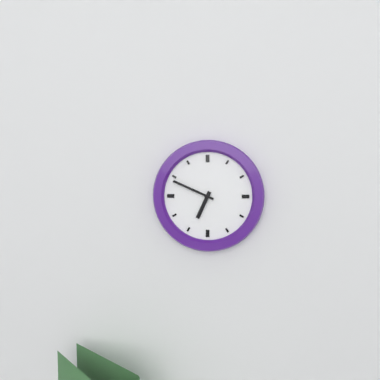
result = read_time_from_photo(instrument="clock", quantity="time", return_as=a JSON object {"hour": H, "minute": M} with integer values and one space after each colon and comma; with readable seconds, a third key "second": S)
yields {"hour": 6, "minute": 49}
